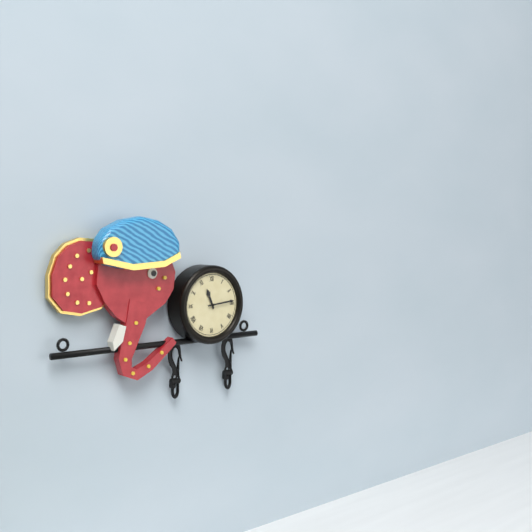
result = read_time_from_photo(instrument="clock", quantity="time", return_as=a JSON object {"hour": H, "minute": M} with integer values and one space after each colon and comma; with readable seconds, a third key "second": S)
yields {"hour": 11, "minute": 14}
